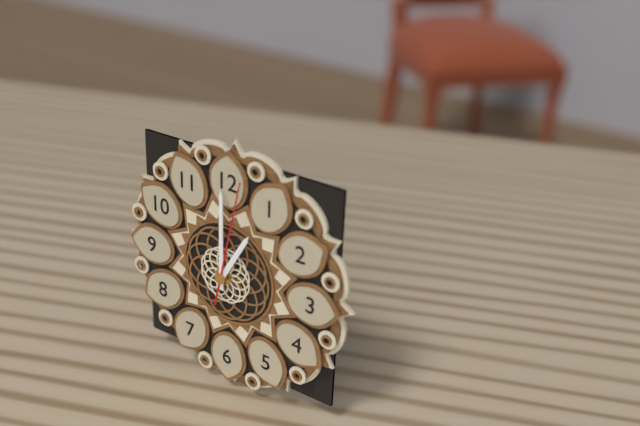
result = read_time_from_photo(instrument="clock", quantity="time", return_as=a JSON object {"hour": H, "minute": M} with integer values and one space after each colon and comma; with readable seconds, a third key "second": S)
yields {"hour": 1, "minute": 0, "second": 2}
